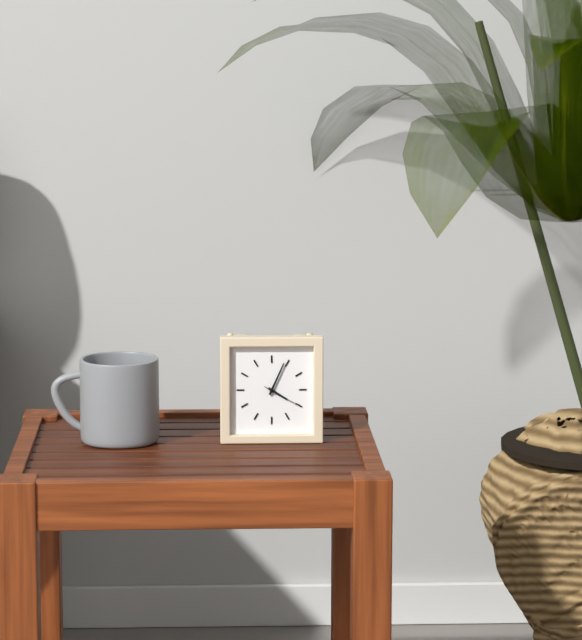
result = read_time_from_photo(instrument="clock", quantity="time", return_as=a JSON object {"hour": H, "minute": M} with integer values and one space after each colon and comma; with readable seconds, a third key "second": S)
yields {"hour": 4, "minute": 4}
